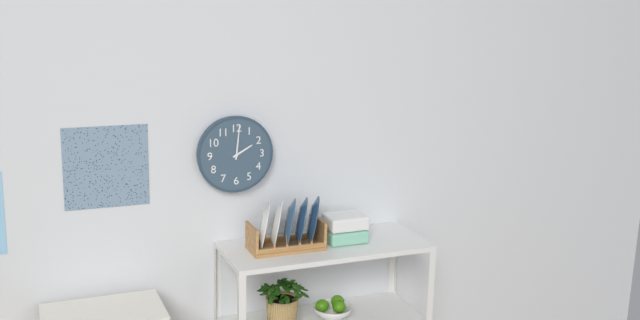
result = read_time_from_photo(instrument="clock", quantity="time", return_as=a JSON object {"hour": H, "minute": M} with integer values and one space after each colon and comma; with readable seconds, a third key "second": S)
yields {"hour": 2, "minute": 1}
